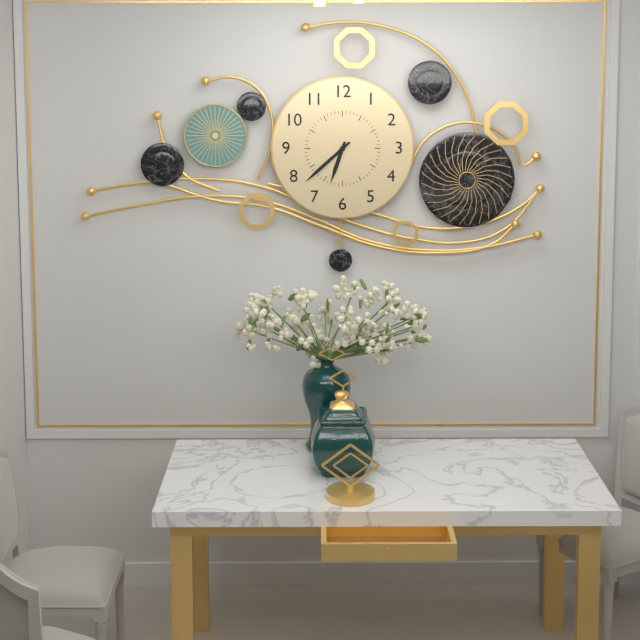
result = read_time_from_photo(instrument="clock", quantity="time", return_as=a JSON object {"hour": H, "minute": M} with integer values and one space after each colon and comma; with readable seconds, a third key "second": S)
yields {"hour": 6, "minute": 38}
